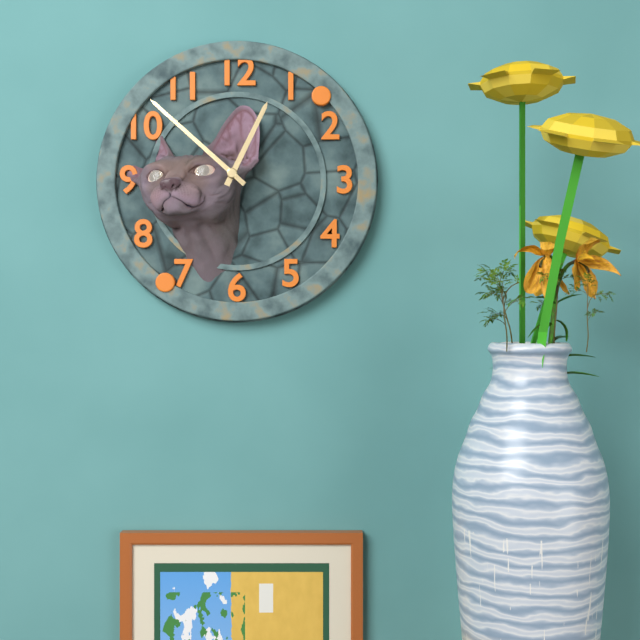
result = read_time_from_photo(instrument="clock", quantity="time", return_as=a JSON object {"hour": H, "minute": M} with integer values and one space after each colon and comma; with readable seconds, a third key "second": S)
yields {"hour": 12, "minute": 52}
